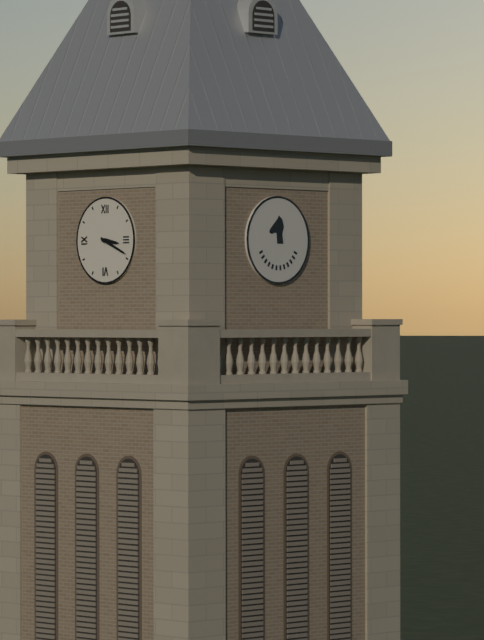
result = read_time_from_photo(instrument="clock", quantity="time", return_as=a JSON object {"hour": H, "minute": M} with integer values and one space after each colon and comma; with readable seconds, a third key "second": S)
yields {"hour": 3, "minute": 19}
